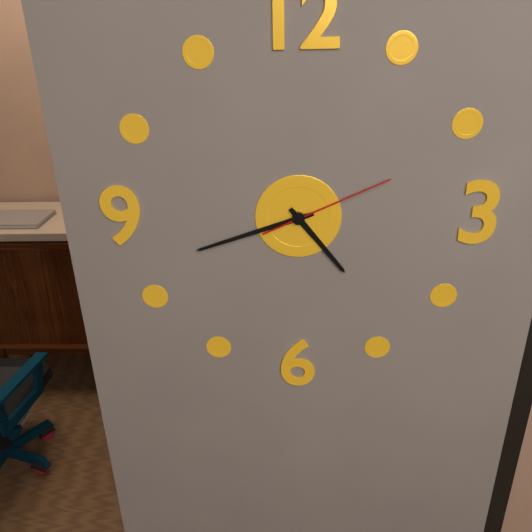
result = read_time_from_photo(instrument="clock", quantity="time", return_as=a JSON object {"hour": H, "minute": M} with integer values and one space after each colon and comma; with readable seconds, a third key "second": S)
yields {"hour": 4, "minute": 42, "second": 11}
